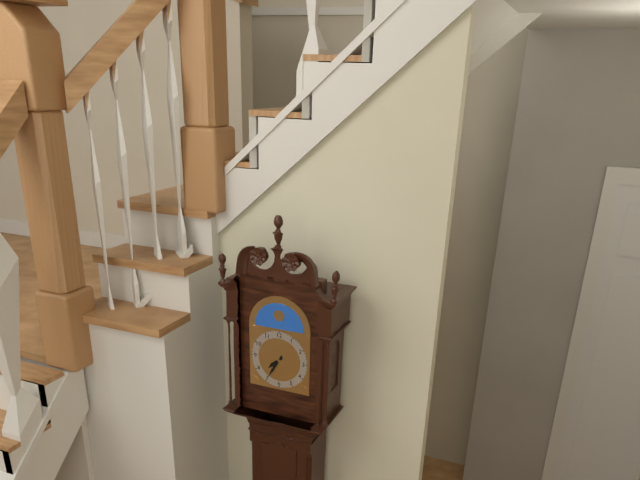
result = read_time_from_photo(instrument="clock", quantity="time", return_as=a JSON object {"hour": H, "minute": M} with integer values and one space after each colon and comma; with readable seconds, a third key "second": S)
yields {"hour": 7, "minute": 35}
